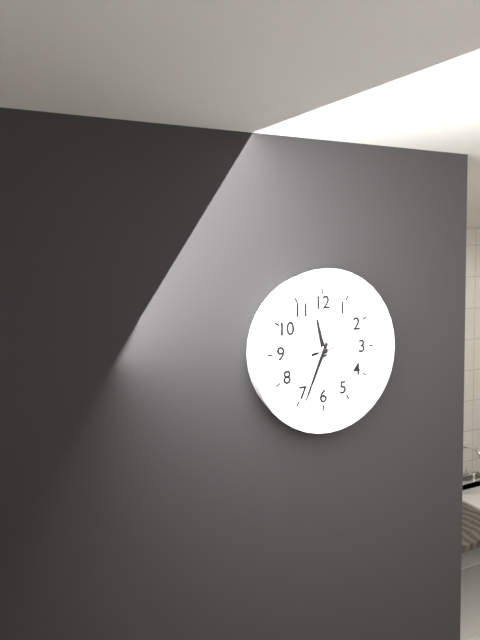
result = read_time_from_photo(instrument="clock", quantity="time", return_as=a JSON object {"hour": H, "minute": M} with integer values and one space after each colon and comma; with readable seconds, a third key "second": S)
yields {"hour": 11, "minute": 34, "second": 13}
